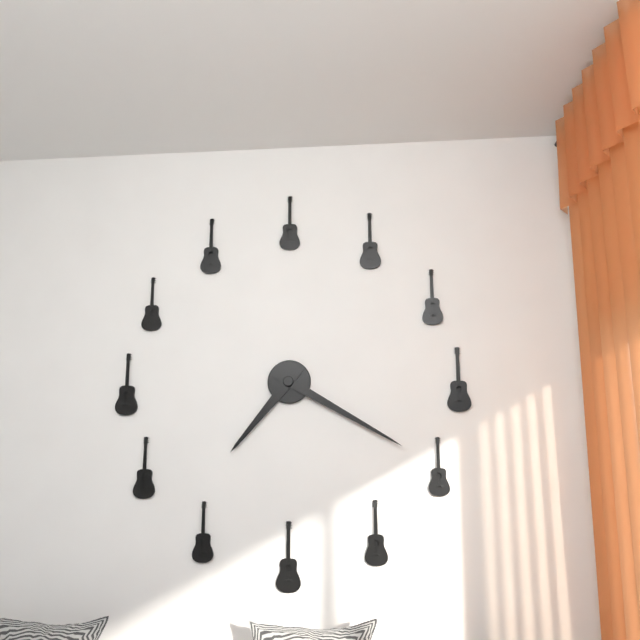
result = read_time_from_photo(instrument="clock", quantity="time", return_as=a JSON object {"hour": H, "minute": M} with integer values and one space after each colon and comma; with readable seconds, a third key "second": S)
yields {"hour": 7, "minute": 20}
